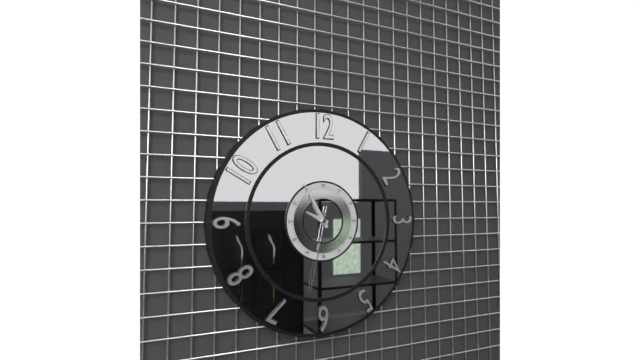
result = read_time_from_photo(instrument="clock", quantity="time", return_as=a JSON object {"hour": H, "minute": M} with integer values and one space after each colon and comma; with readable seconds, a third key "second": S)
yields {"hour": 9, "minute": 55, "second": 32}
